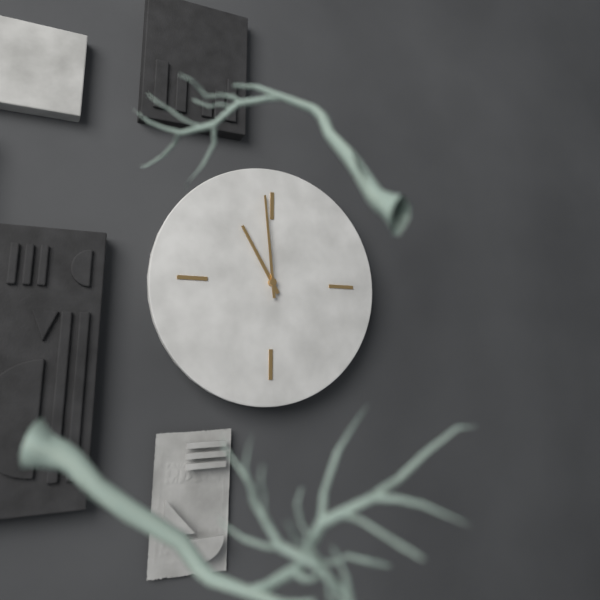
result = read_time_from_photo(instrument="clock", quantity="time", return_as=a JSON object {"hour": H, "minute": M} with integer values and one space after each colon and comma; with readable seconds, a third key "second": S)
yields {"hour": 10, "minute": 59}
